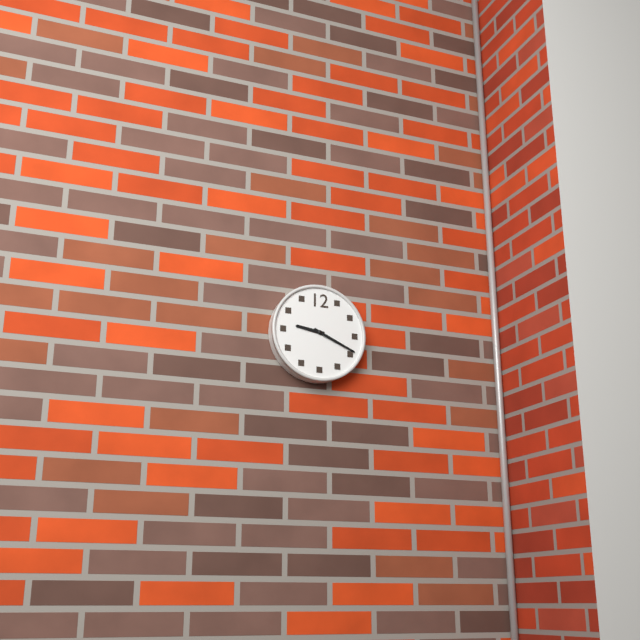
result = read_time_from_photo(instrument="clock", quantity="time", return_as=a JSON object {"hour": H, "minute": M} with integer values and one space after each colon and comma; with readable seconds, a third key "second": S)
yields {"hour": 9, "minute": 19}
